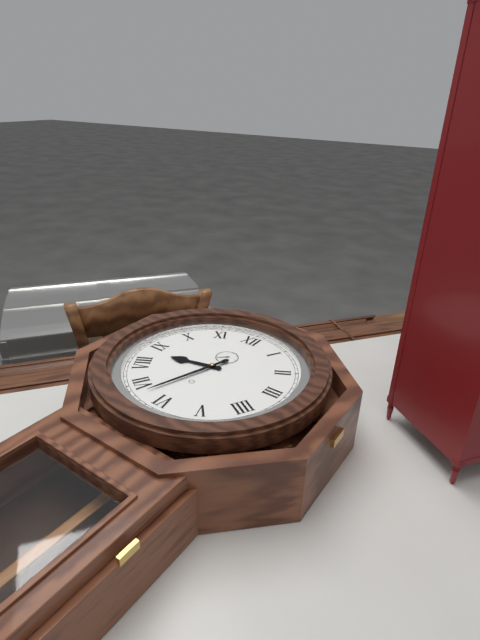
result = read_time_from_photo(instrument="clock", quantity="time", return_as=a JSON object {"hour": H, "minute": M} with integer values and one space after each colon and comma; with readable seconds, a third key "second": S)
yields {"hour": 8, "minute": 33}
